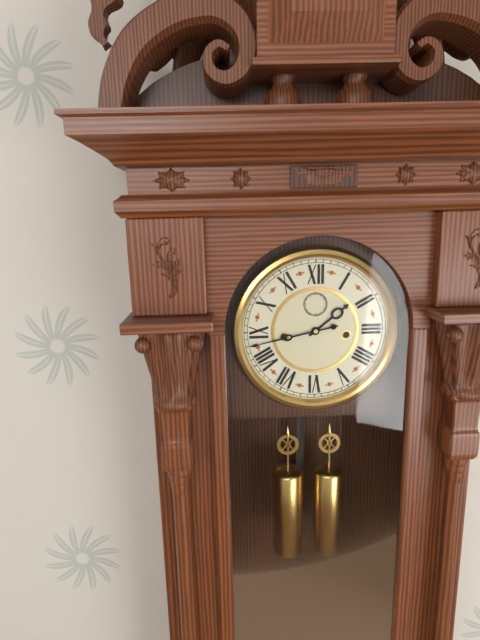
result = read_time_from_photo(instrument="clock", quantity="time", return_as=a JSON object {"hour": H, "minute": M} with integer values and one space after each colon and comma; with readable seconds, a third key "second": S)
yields {"hour": 1, "minute": 43}
